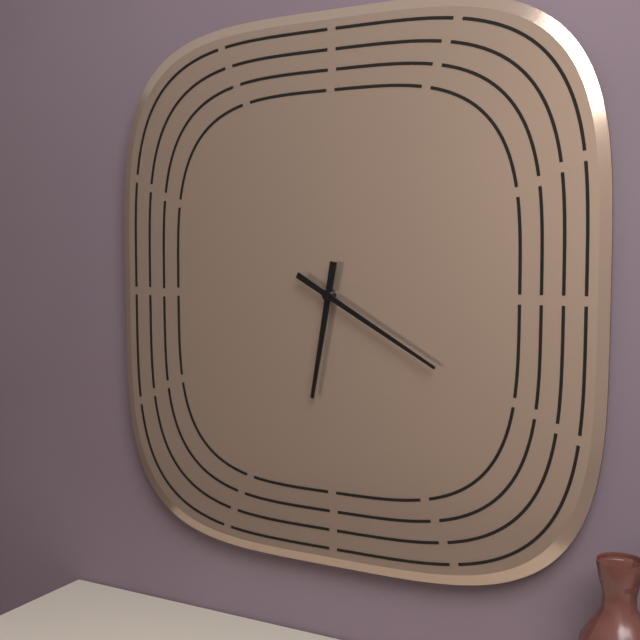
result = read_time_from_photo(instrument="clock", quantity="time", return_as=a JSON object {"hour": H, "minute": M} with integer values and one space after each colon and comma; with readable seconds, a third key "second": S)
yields {"hour": 6, "minute": 20}
